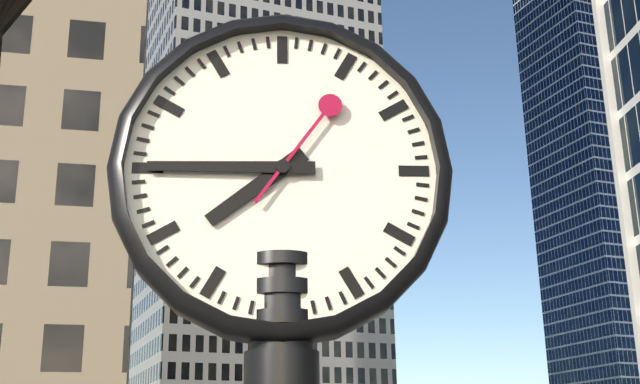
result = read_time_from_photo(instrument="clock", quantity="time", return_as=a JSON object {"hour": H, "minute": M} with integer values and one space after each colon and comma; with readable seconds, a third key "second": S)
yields {"hour": 7, "minute": 45, "second": 6}
